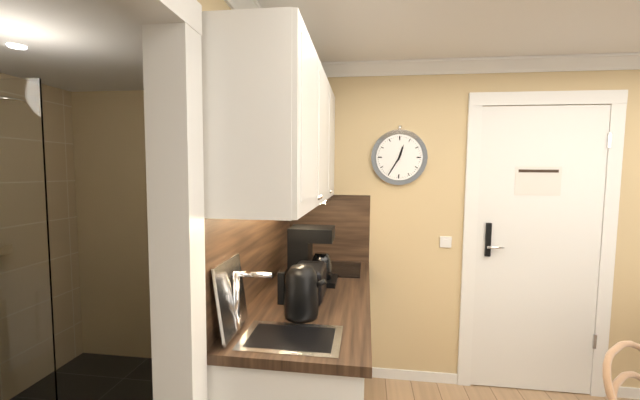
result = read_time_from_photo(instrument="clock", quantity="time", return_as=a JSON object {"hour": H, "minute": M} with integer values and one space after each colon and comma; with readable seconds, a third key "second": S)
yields {"hour": 12, "minute": 35}
